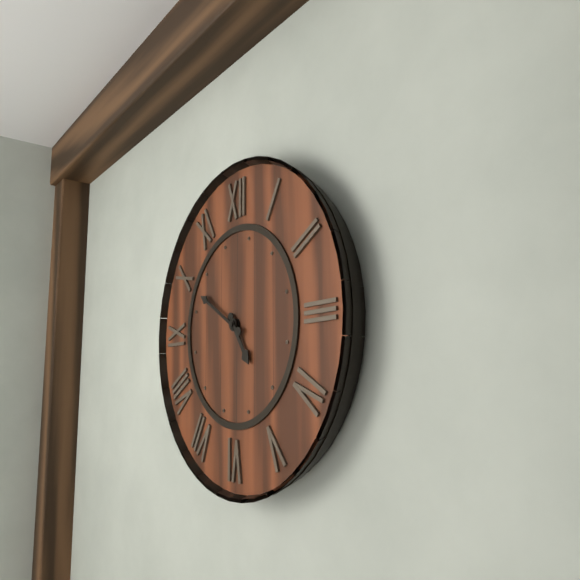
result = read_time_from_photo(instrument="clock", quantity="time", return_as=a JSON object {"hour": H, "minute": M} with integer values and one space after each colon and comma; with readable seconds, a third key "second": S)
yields {"hour": 4, "minute": 50}
